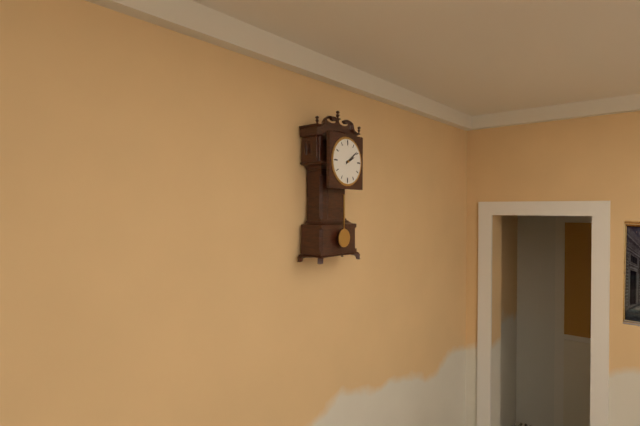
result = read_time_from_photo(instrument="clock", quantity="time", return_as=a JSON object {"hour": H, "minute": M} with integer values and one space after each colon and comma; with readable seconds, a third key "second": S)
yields {"hour": 2, "minute": 9}
